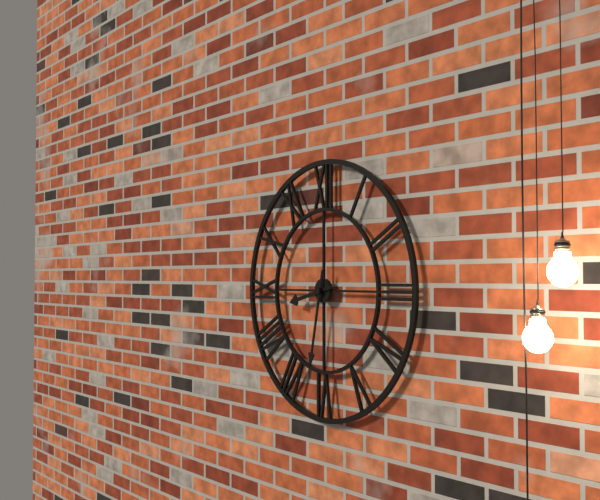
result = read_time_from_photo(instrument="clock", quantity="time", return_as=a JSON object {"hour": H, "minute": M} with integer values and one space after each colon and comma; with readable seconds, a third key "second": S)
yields {"hour": 8, "minute": 32}
